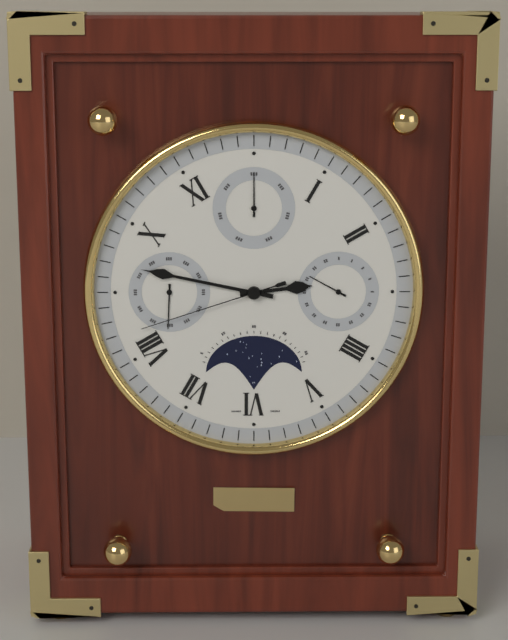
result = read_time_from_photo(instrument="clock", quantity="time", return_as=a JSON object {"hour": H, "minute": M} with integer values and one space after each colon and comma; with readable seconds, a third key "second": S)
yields {"hour": 2, "minute": 47, "second": 42}
